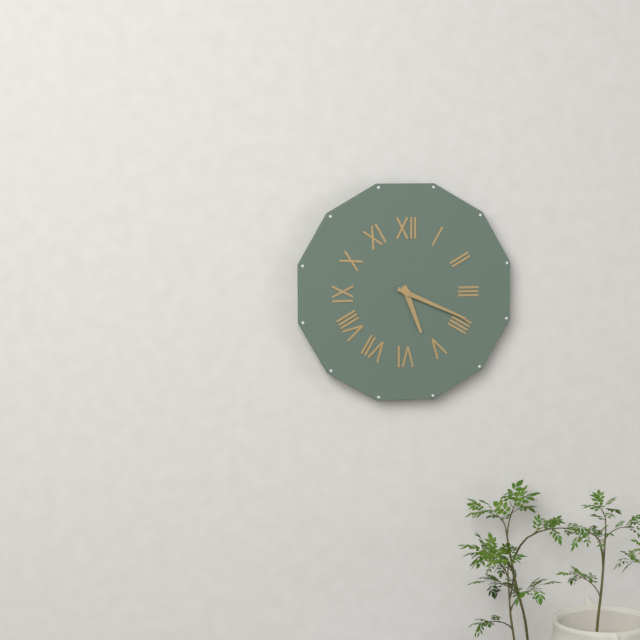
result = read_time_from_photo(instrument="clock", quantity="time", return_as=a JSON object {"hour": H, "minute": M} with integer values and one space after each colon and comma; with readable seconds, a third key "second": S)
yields {"hour": 5, "minute": 19}
